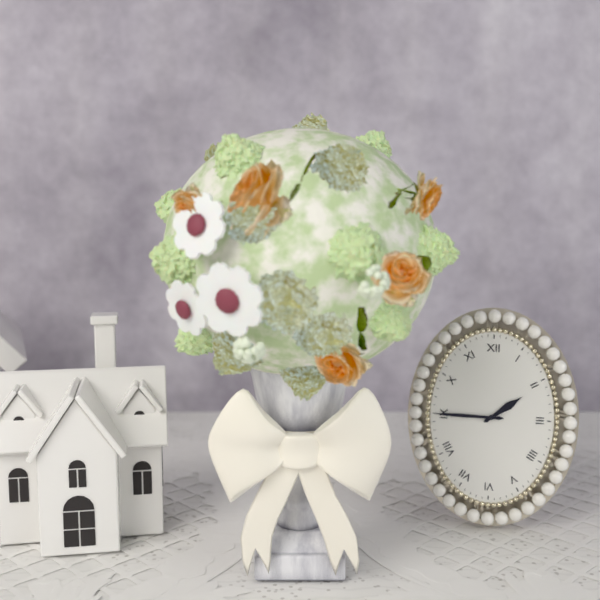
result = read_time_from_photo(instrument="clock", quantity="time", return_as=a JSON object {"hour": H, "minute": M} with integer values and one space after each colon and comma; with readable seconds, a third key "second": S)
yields {"hour": 1, "minute": 45}
